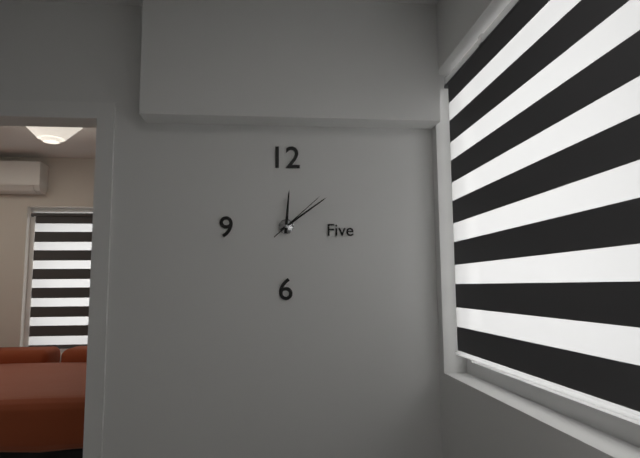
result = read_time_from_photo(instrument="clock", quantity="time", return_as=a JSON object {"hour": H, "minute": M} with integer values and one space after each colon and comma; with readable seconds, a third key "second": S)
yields {"hour": 12, "minute": 9, "second": 8}
